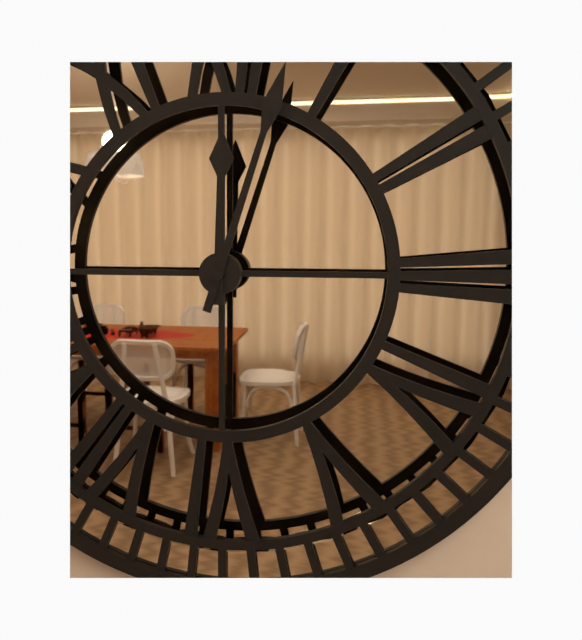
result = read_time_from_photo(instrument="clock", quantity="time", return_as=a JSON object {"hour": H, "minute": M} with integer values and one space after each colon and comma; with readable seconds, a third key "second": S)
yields {"hour": 12, "minute": 3}
